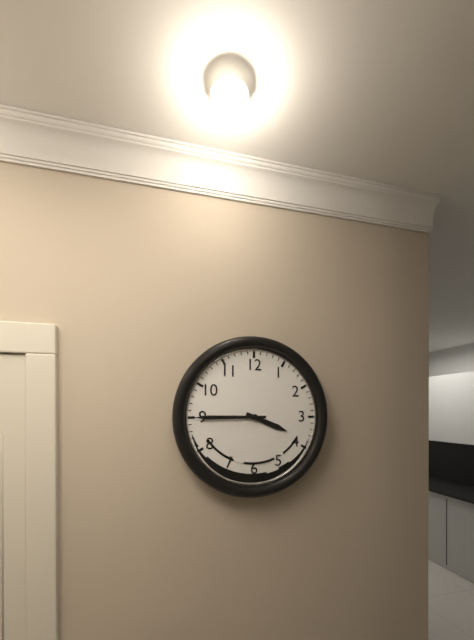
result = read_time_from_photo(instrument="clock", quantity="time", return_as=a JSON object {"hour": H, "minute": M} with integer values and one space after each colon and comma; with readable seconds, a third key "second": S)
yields {"hour": 3, "minute": 45}
